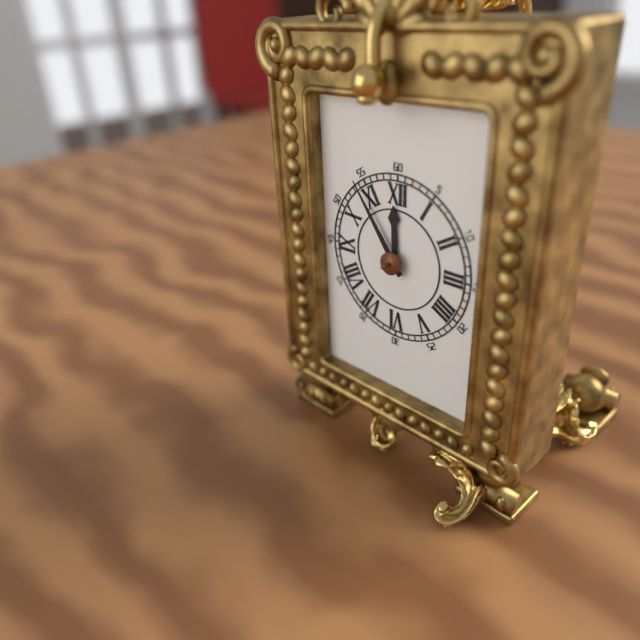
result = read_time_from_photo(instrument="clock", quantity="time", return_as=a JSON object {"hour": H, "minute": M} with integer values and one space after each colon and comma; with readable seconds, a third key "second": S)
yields {"hour": 11, "minute": 54}
